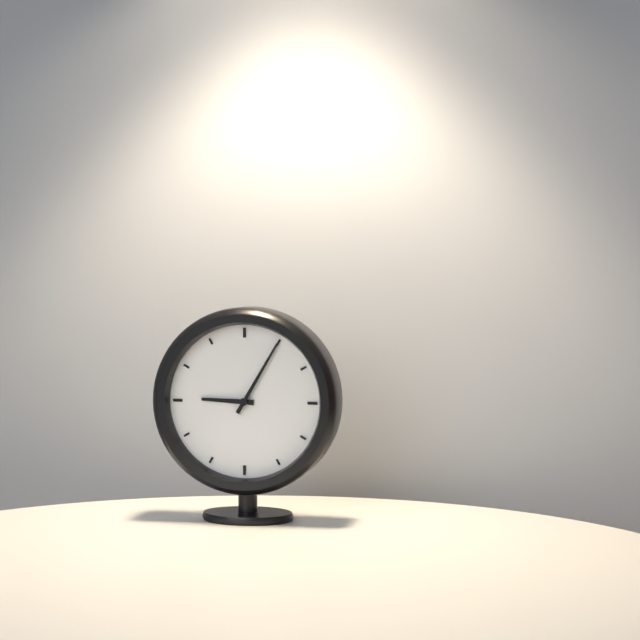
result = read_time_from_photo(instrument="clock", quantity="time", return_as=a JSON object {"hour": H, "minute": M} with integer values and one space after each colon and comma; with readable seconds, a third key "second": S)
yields {"hour": 9, "minute": 5}
